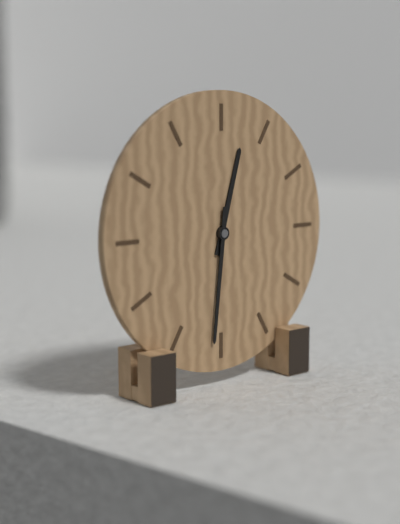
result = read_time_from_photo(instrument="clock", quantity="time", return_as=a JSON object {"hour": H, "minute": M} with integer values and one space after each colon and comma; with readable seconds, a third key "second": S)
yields {"hour": 12, "minute": 31}
